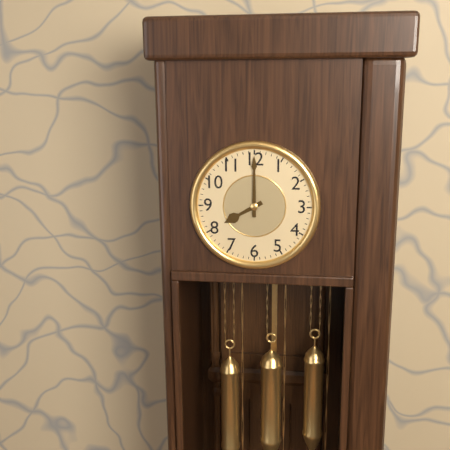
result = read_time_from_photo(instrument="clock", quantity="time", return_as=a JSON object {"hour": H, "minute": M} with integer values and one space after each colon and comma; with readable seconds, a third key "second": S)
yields {"hour": 8, "minute": 0}
